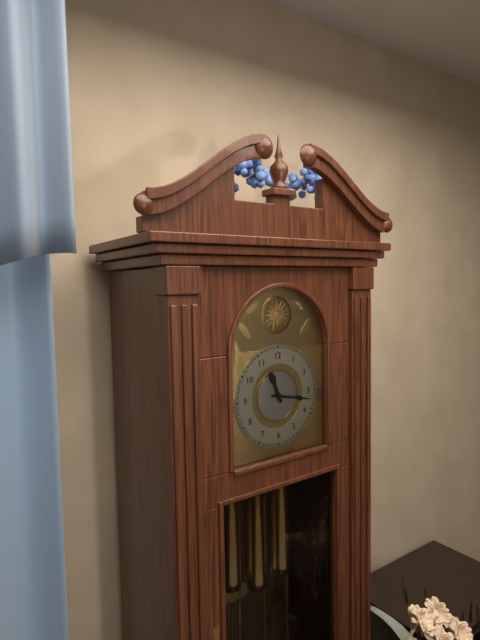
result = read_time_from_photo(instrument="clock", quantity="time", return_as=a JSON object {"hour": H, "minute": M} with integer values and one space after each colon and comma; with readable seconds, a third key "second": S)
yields {"hour": 11, "minute": 17}
